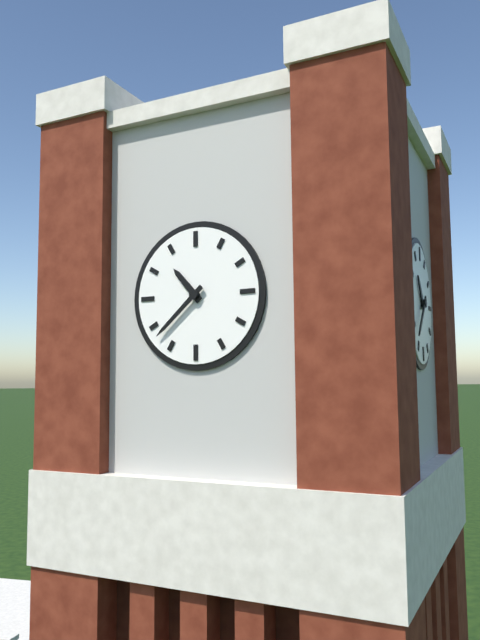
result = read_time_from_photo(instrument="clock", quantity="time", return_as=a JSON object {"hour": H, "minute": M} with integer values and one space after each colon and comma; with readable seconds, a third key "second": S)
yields {"hour": 10, "minute": 38}
